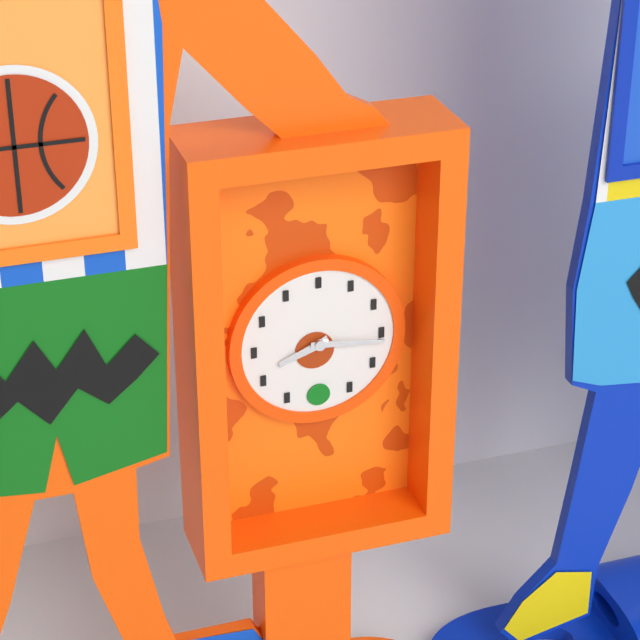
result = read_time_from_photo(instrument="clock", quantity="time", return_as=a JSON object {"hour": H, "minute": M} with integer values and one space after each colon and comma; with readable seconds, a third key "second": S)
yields {"hour": 8, "minute": 16}
